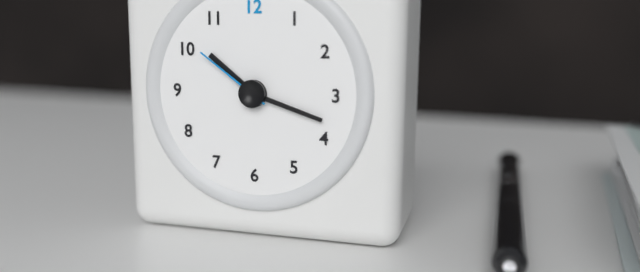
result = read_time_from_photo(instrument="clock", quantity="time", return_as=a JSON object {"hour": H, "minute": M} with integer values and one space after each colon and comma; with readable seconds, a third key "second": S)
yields {"hour": 10, "minute": 18, "second": 51}
